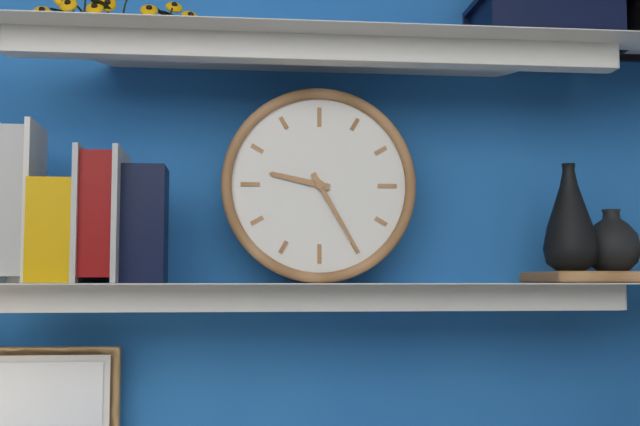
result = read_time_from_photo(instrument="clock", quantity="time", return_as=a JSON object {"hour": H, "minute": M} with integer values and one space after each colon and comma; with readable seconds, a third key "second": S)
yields {"hour": 9, "minute": 25}
